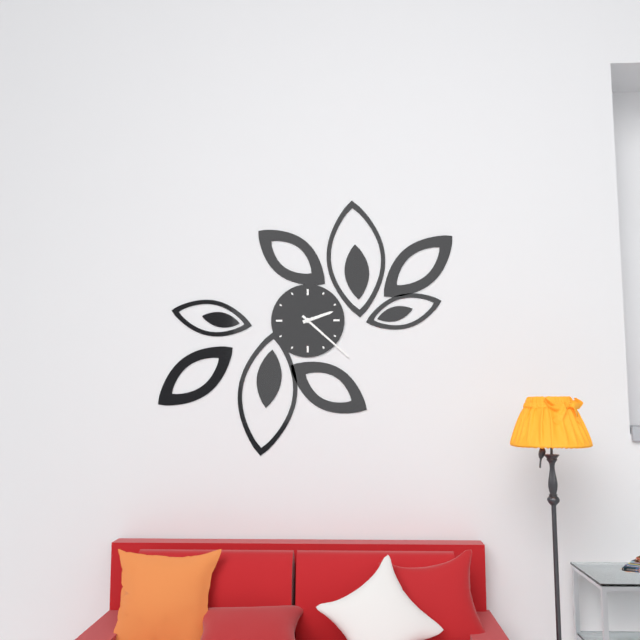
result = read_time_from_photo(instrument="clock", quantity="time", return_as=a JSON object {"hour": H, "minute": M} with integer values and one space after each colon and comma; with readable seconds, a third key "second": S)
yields {"hour": 2, "minute": 22}
